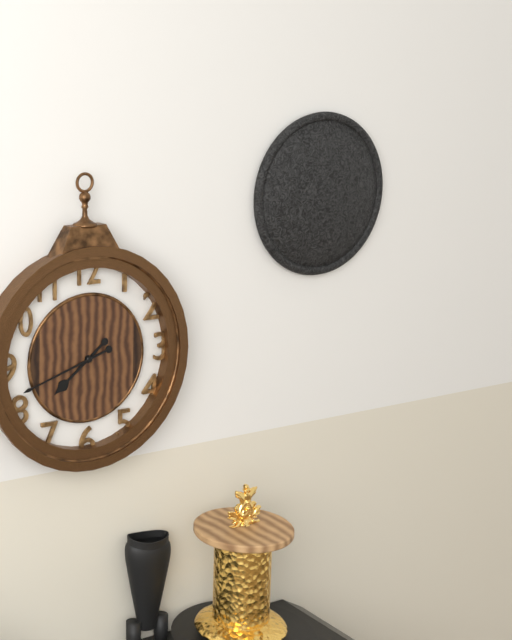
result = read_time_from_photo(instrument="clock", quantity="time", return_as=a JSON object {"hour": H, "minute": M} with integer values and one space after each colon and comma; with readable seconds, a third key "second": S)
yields {"hour": 7, "minute": 42}
